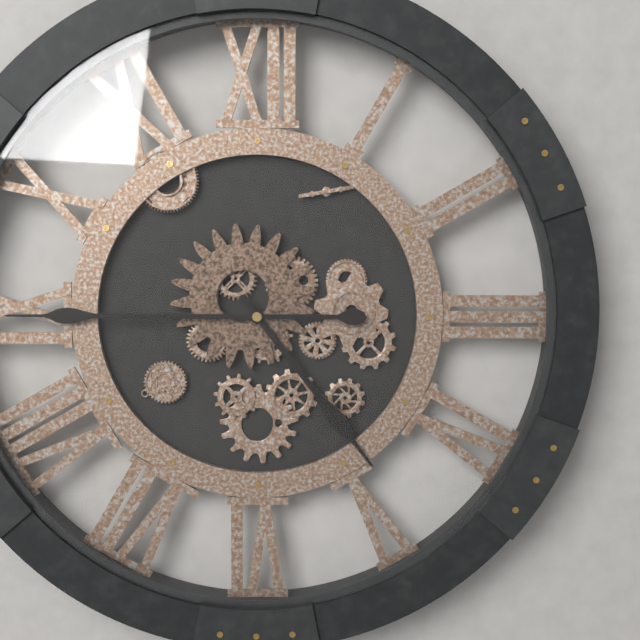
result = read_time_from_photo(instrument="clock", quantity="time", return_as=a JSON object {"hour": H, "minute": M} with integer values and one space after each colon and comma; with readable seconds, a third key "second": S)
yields {"hour": 4, "minute": 45}
